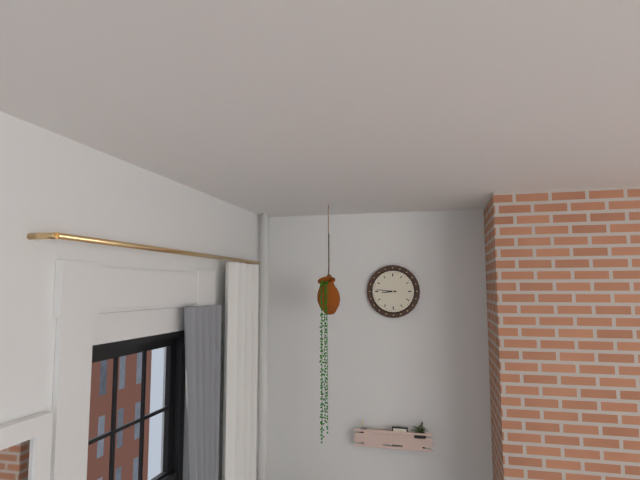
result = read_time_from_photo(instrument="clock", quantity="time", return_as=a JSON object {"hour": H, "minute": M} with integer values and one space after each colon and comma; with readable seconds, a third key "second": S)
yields {"hour": 8, "minute": 46}
